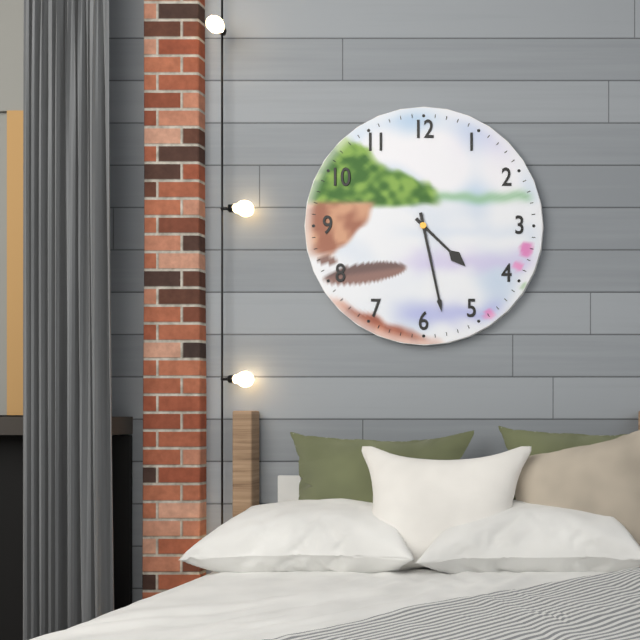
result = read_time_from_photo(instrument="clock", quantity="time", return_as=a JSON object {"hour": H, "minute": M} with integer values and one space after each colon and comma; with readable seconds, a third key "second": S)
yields {"hour": 4, "minute": 28}
